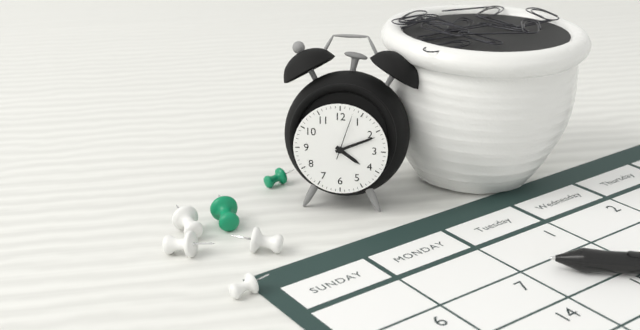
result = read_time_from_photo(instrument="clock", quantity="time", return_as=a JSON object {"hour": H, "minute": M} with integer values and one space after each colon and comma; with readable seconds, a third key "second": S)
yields {"hour": 4, "minute": 11}
